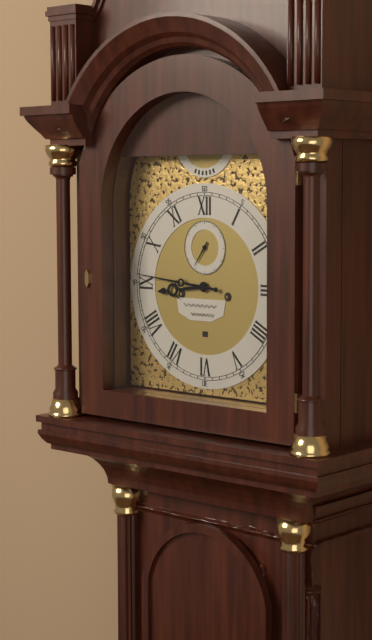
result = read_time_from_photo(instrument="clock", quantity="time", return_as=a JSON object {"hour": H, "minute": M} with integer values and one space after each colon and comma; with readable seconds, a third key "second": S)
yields {"hour": 8, "minute": 46}
